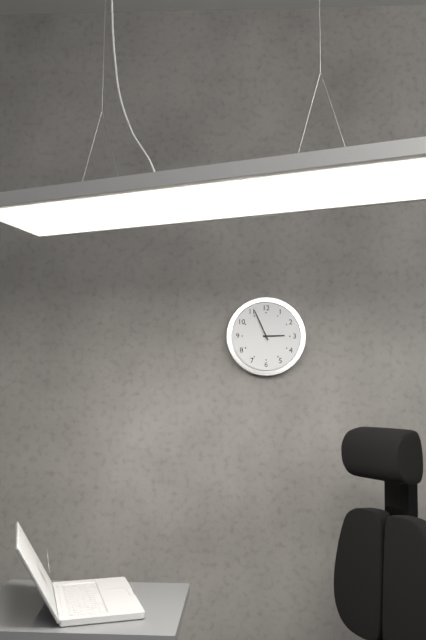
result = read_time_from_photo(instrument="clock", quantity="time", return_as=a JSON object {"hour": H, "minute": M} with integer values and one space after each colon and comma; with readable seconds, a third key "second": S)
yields {"hour": 2, "minute": 56}
